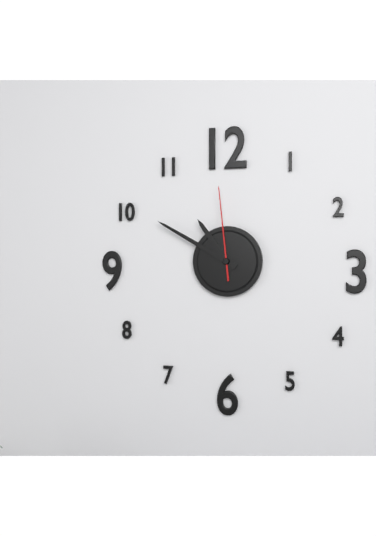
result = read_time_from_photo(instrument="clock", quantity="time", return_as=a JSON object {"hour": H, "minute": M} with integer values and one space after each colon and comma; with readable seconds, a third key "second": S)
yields {"hour": 10, "minute": 50, "second": 59}
